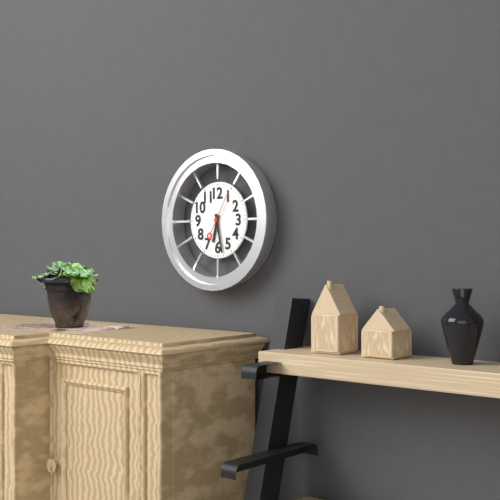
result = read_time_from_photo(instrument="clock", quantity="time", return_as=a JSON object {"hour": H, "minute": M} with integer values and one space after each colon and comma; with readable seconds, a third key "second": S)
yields {"hour": 6, "minute": 28}
